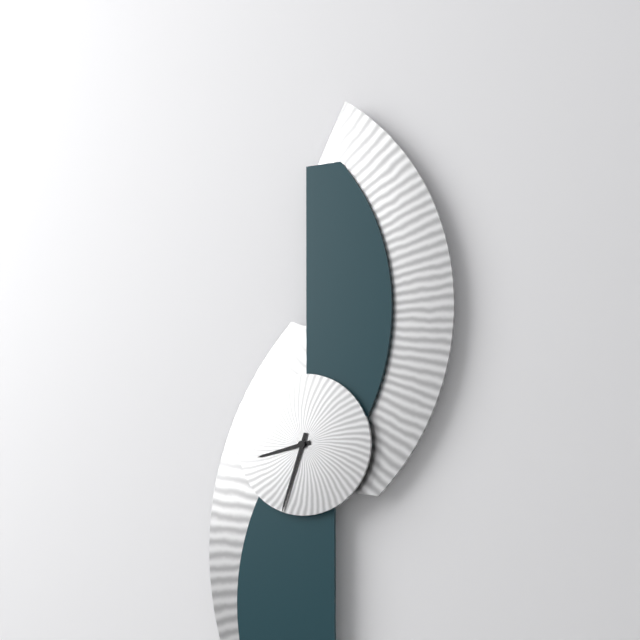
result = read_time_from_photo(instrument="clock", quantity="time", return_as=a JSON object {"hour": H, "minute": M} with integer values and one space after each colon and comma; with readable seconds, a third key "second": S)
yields {"hour": 8, "minute": 33}
